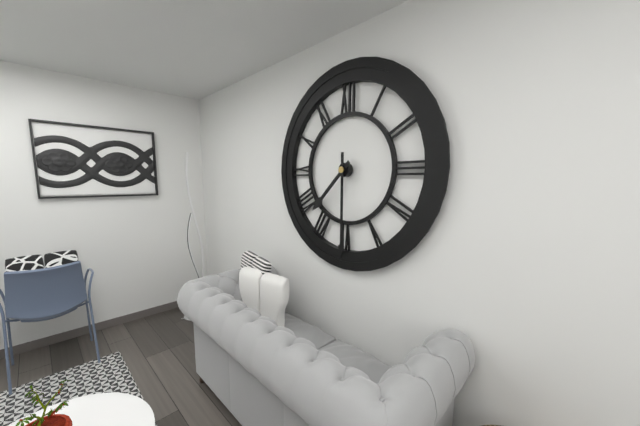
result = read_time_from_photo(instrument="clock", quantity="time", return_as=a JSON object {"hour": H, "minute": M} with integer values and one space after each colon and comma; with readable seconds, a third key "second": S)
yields {"hour": 7, "minute": 30}
